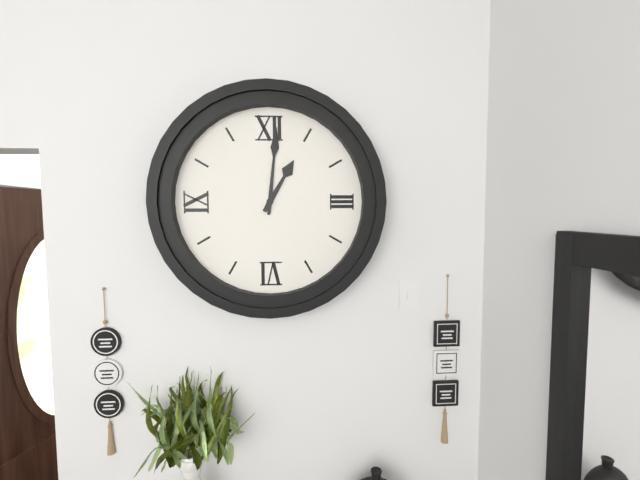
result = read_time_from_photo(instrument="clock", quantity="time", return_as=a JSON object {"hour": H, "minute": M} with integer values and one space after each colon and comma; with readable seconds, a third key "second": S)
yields {"hour": 1, "minute": 1}
